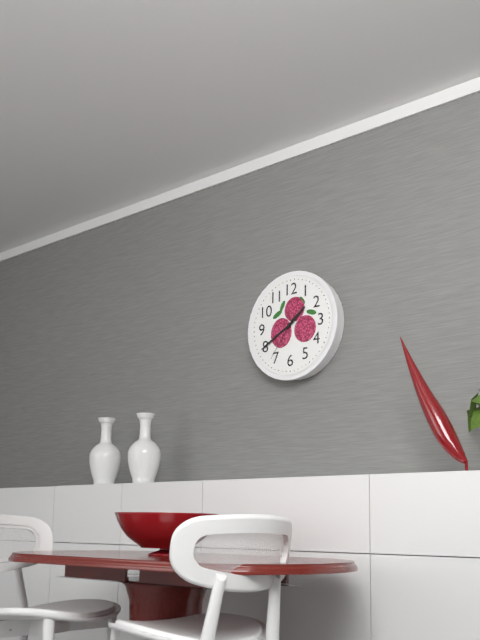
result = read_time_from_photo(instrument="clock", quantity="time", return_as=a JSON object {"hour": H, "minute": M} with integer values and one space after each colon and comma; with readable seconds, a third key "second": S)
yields {"hour": 1, "minute": 40}
